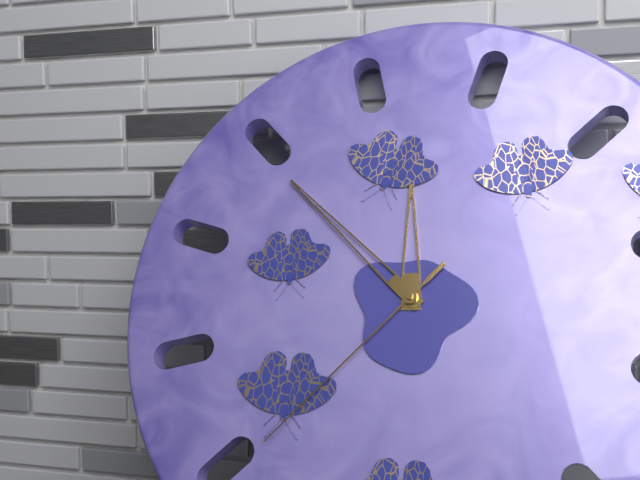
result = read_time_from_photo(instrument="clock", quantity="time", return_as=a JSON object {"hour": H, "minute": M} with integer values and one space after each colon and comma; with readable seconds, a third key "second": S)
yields {"hour": 11, "minute": 52, "second": 37}
